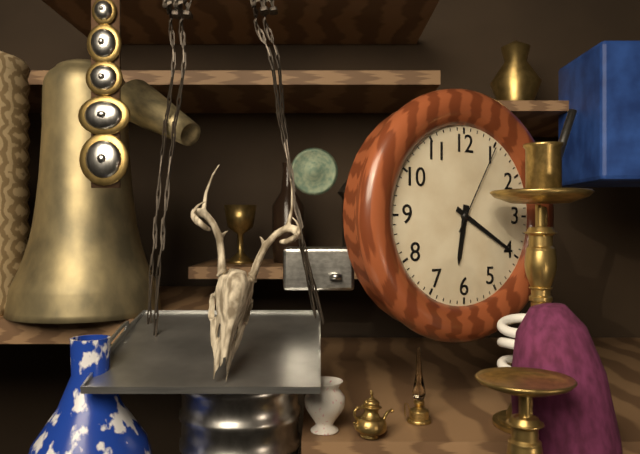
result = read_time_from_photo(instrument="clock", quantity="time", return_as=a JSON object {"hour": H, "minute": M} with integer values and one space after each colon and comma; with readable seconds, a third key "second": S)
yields {"hour": 6, "minute": 20, "second": 5}
